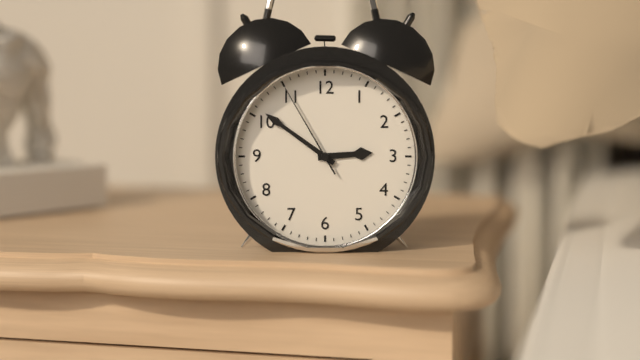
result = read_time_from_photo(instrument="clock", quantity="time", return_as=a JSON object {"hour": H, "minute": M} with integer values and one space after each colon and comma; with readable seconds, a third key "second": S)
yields {"hour": 2, "minute": 51, "second": 55}
